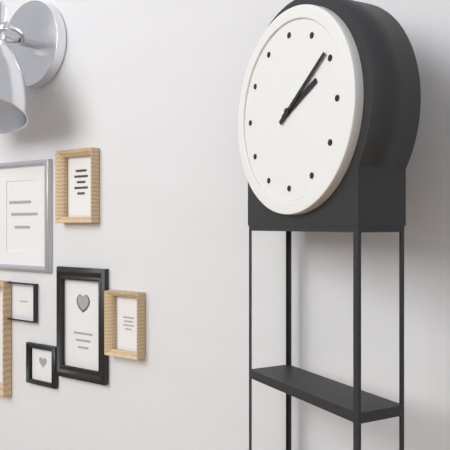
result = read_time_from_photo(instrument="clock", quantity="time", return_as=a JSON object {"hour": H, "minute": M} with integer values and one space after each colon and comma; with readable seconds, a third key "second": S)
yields {"hour": 2, "minute": 9}
